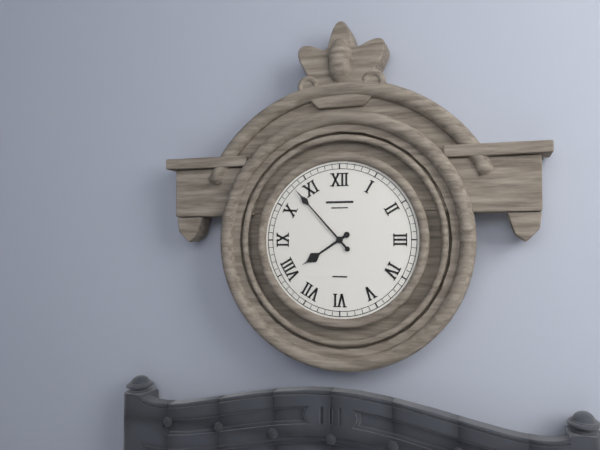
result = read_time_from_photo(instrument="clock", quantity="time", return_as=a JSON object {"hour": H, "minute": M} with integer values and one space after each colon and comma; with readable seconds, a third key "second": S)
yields {"hour": 7, "minute": 53}
